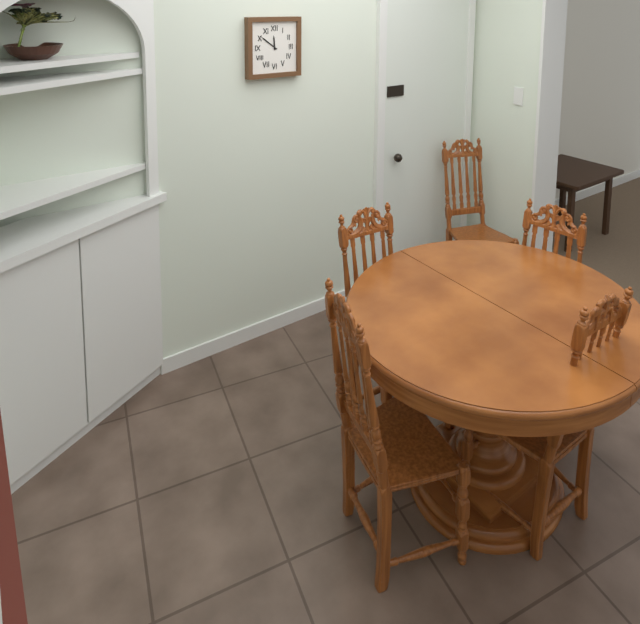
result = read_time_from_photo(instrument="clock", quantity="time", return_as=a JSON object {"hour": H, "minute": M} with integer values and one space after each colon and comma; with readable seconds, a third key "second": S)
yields {"hour": 11, "minute": 51}
